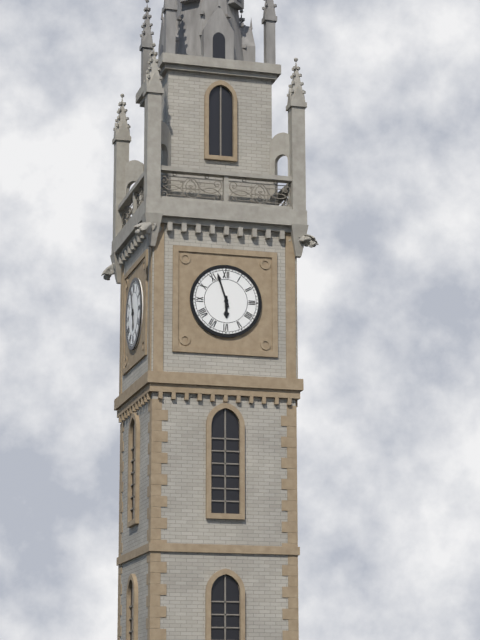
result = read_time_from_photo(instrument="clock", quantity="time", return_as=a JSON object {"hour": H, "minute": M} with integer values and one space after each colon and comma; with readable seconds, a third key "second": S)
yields {"hour": 5, "minute": 57}
